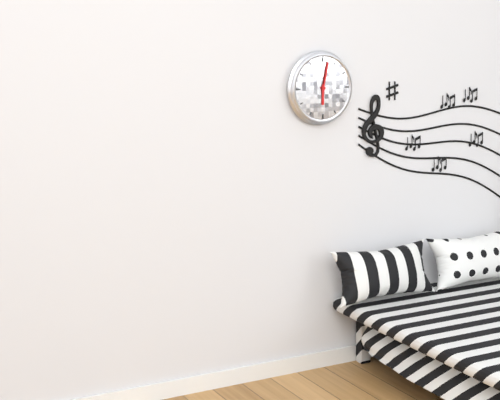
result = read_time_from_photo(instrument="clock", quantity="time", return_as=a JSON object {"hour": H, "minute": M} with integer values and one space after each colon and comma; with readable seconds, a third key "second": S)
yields {"hour": 6, "minute": 2}
